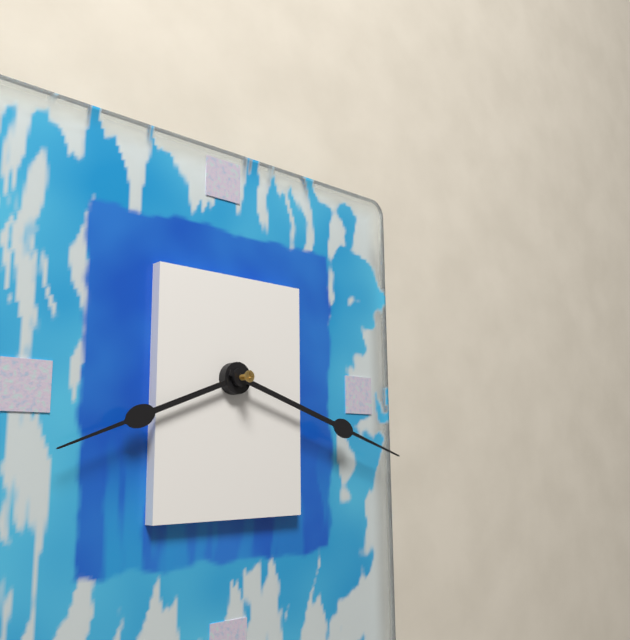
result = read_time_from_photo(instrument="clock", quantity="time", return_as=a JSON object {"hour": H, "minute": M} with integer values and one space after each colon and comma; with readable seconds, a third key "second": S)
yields {"hour": 8, "minute": 18}
